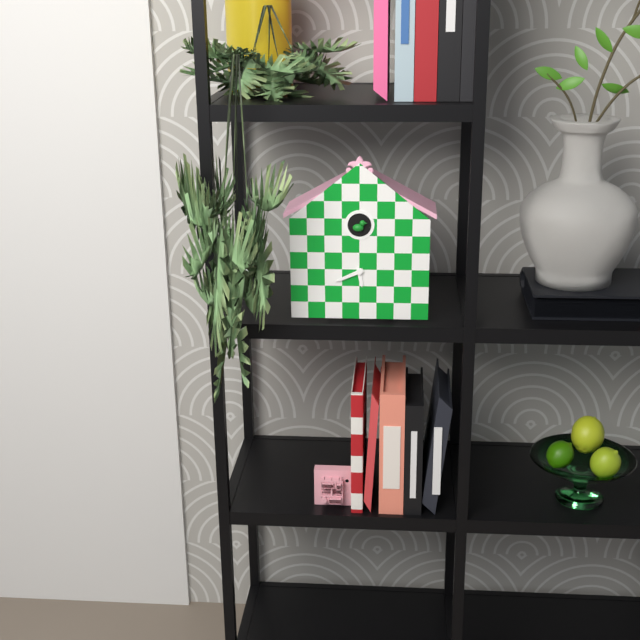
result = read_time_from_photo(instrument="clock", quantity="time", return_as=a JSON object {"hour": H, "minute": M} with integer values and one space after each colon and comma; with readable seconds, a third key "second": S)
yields {"hour": 5, "minute": 41}
